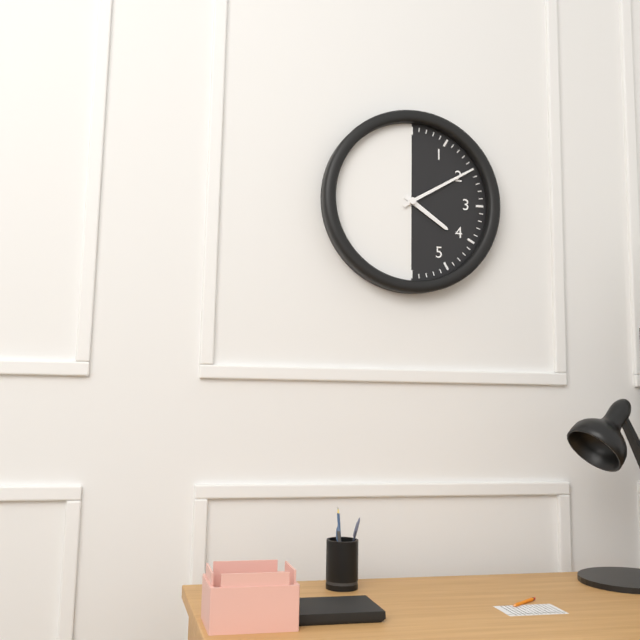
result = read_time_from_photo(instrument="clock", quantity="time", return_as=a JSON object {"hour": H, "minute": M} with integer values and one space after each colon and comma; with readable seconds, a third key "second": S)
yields {"hour": 4, "minute": 10}
